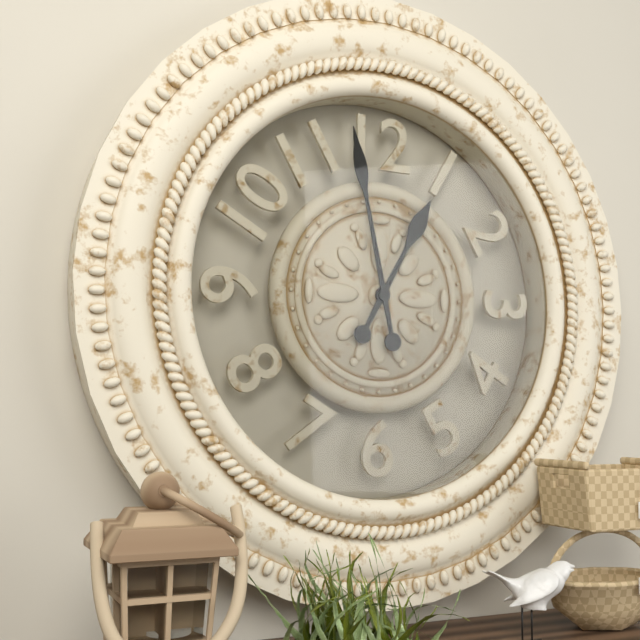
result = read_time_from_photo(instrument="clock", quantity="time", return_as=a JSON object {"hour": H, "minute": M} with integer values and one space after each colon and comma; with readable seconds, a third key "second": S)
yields {"hour": 12, "minute": 58}
